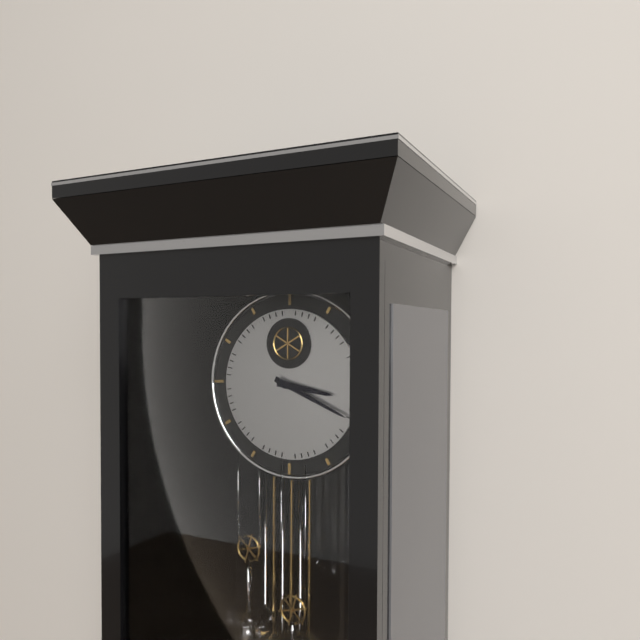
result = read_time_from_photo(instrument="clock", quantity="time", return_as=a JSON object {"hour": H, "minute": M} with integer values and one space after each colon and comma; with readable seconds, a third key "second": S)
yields {"hour": 3, "minute": 19}
